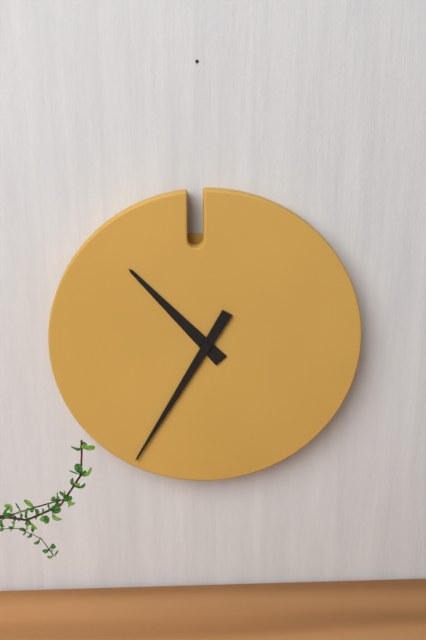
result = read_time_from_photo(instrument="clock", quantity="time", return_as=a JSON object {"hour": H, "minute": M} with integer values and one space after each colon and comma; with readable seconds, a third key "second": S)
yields {"hour": 10, "minute": 35}
